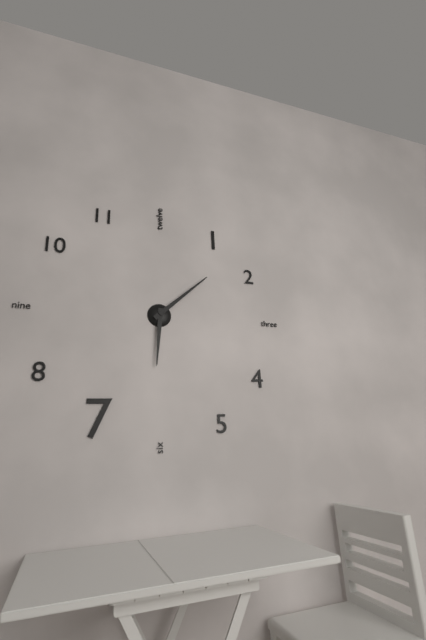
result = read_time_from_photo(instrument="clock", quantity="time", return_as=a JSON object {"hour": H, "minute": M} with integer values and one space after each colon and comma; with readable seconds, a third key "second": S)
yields {"hour": 6, "minute": 8}
